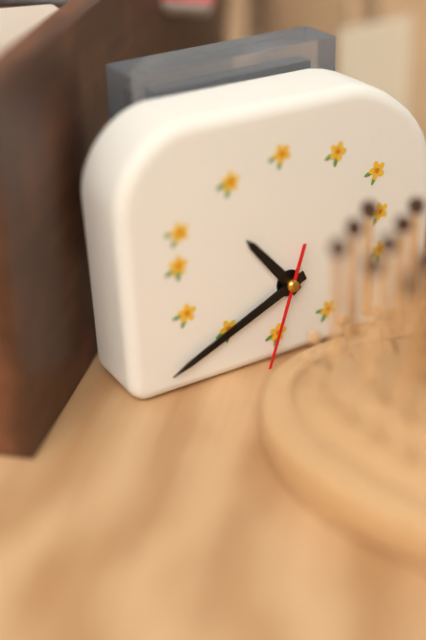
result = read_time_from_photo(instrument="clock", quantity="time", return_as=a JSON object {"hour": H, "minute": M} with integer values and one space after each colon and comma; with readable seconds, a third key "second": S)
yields {"hour": 10, "minute": 41, "second": 33}
